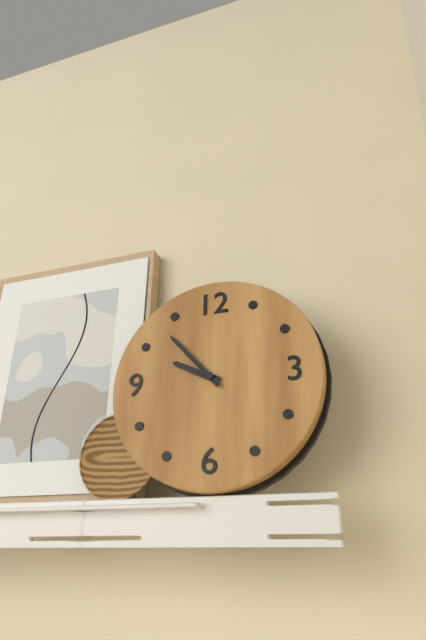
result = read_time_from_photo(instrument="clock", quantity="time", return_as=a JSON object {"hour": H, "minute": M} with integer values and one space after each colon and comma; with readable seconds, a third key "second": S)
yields {"hour": 9, "minute": 53}
